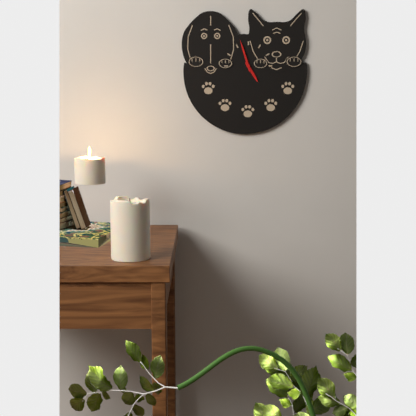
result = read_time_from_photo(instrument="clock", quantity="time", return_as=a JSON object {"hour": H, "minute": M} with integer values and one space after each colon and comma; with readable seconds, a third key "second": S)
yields {"hour": 4, "minute": 57}
